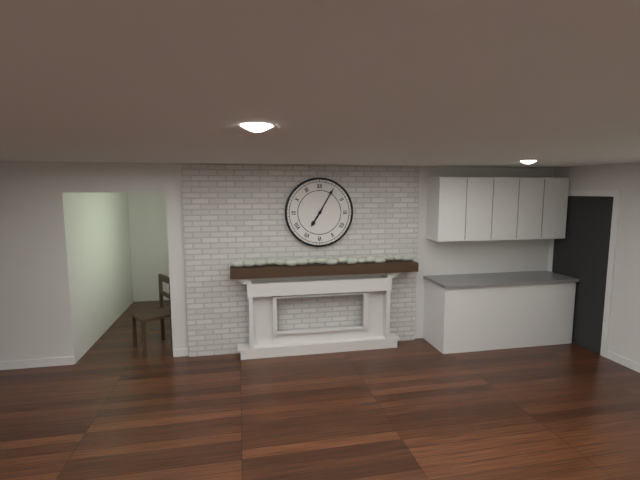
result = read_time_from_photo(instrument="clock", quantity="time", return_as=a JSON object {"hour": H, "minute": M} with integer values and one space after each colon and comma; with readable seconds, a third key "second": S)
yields {"hour": 7, "minute": 5}
